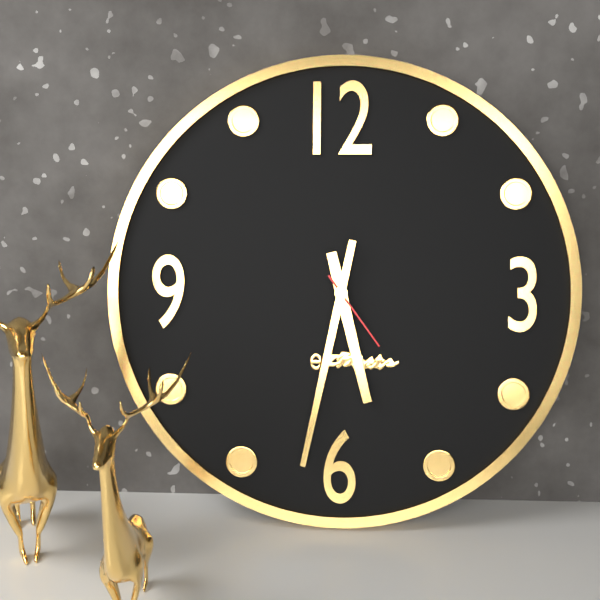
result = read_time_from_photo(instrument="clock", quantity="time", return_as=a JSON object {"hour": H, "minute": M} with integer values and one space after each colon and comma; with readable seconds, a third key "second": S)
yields {"hour": 5, "minute": 32, "second": 24}
